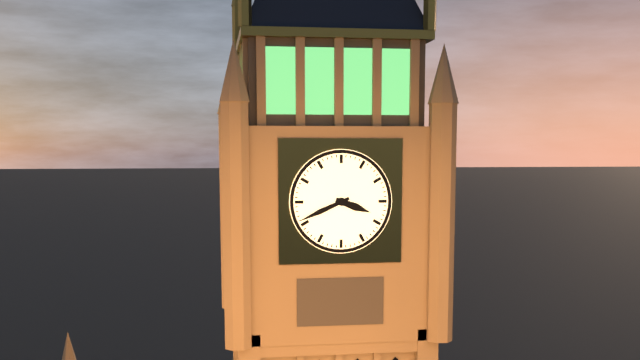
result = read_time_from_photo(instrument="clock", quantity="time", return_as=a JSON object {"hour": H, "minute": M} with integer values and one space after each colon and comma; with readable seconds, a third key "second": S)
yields {"hour": 3, "minute": 41}
